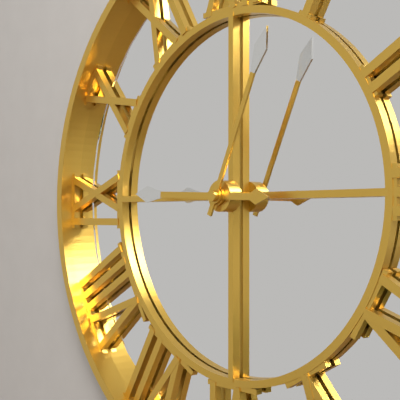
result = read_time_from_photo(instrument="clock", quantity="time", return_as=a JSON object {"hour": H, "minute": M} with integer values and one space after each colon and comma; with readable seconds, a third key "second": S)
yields {"hour": 9, "minute": 4}
